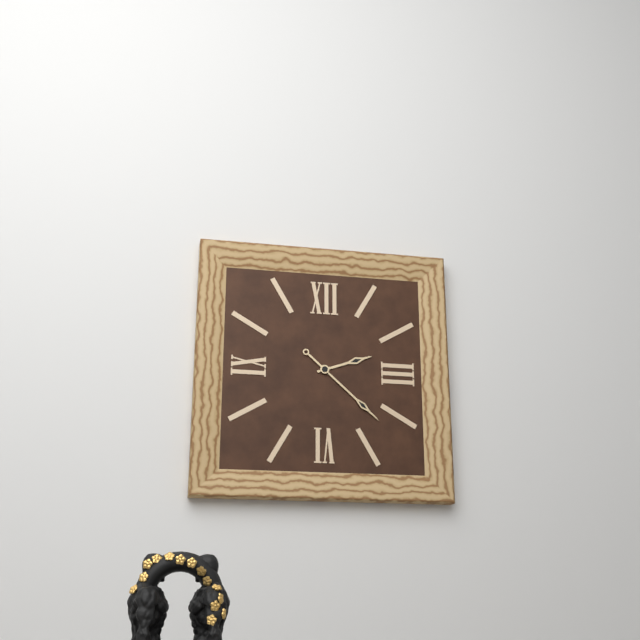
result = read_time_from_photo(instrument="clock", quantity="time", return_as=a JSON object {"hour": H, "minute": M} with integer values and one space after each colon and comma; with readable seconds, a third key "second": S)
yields {"hour": 2, "minute": 22}
